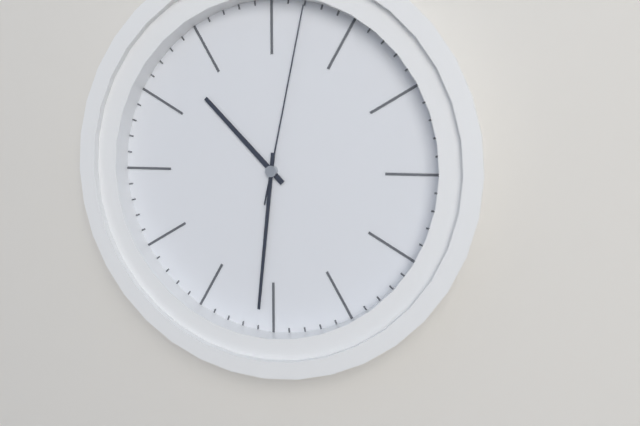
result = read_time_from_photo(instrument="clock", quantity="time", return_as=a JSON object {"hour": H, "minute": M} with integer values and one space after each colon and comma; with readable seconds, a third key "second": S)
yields {"hour": 10, "minute": 31, "second": 2}
